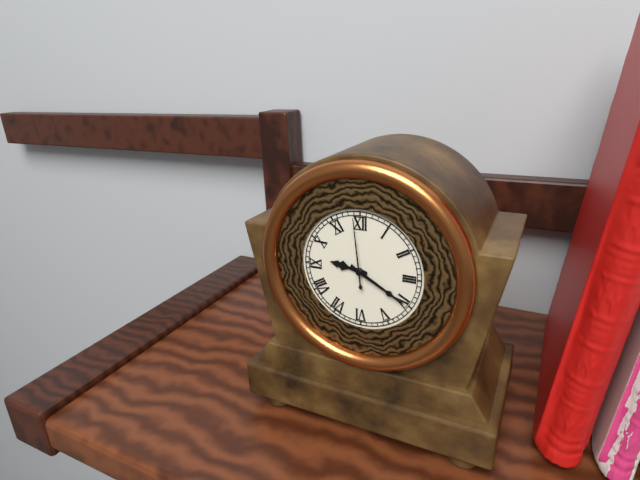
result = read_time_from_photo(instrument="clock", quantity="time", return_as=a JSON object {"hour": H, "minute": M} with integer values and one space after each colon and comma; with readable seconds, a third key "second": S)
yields {"hour": 9, "minute": 20, "second": 59}
